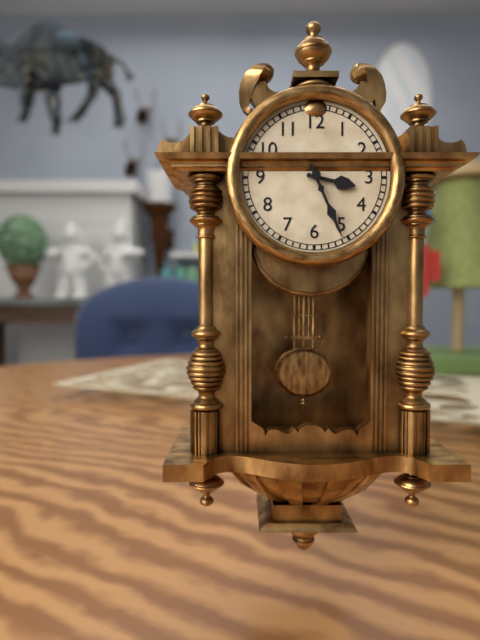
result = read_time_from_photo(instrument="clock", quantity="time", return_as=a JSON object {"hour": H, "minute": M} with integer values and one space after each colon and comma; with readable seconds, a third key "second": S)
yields {"hour": 3, "minute": 26}
